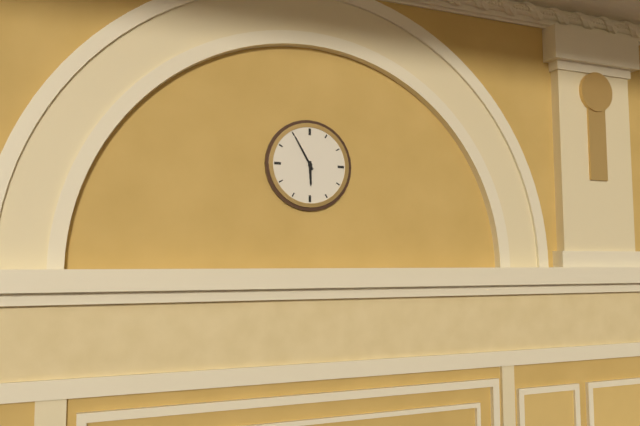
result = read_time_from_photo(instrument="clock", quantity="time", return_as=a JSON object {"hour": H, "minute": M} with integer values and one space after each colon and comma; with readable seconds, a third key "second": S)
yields {"hour": 5, "minute": 55}
